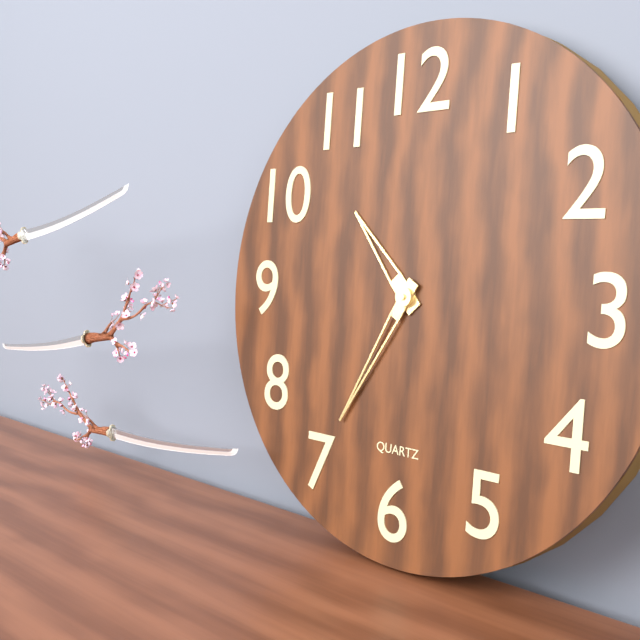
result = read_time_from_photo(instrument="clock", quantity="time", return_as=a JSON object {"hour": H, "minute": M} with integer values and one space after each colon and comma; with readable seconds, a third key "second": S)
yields {"hour": 10, "minute": 35}
